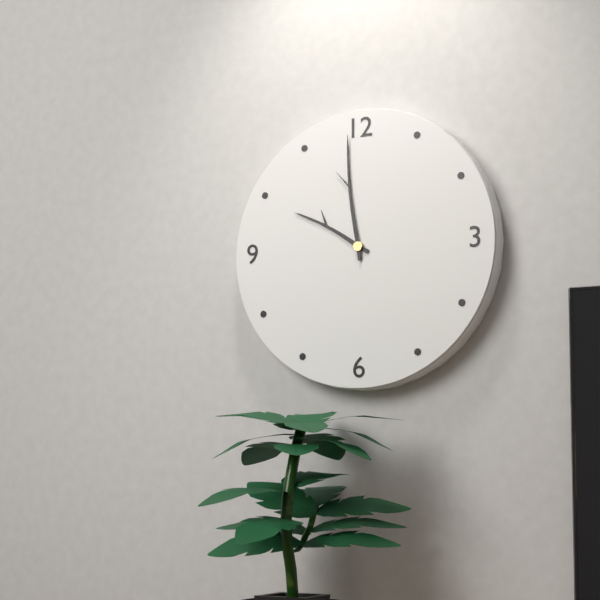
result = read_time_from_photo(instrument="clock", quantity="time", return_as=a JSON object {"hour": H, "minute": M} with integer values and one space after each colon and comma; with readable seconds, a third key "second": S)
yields {"hour": 9, "minute": 59}
